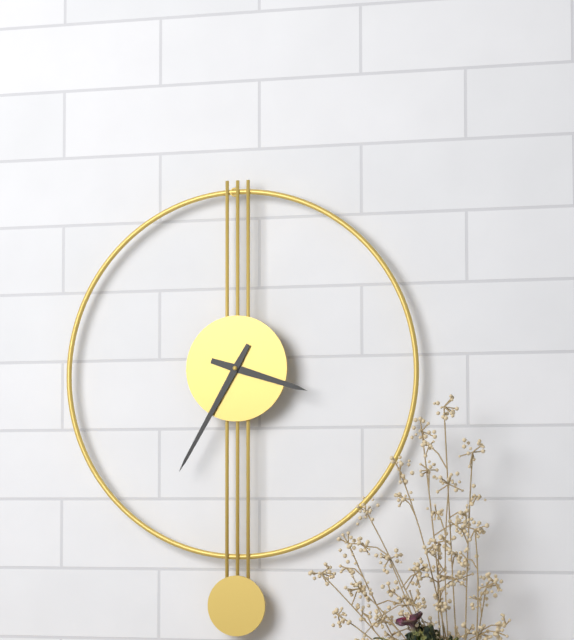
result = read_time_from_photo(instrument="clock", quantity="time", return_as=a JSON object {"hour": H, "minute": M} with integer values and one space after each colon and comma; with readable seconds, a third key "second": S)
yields {"hour": 3, "minute": 35}
